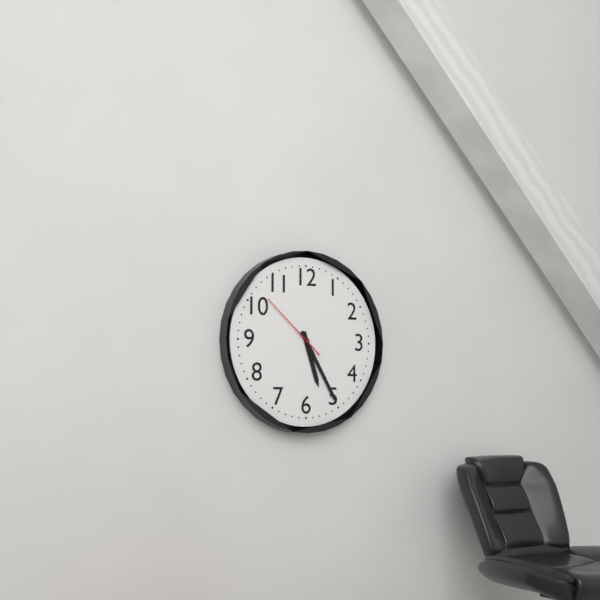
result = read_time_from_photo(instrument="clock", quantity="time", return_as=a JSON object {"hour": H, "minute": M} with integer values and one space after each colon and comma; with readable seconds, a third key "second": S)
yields {"hour": 5, "minute": 25, "second": 52}
